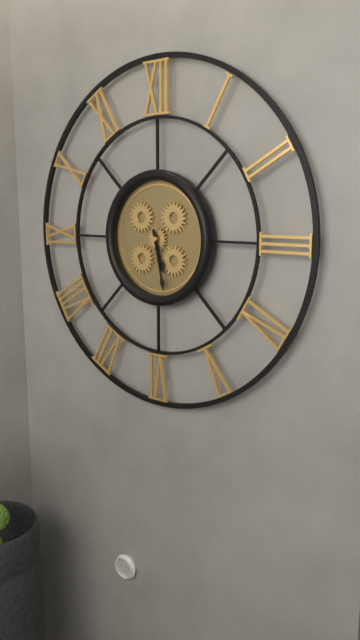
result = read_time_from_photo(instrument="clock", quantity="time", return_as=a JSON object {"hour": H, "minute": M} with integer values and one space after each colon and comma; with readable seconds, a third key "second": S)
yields {"hour": 5, "minute": 28}
